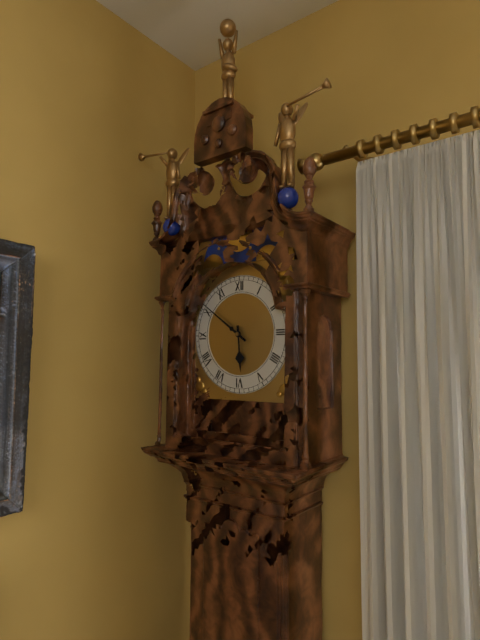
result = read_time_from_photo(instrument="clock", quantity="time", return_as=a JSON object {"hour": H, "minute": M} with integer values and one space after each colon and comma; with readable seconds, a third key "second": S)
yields {"hour": 5, "minute": 51}
